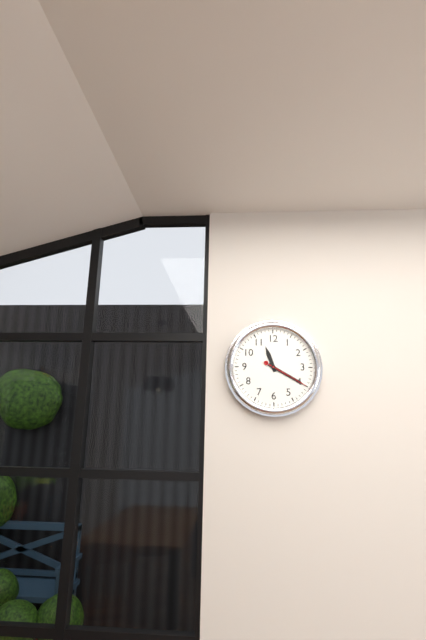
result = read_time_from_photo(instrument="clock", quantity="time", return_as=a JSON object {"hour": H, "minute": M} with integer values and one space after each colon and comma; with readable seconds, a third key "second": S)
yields {"hour": 11, "minute": 20}
